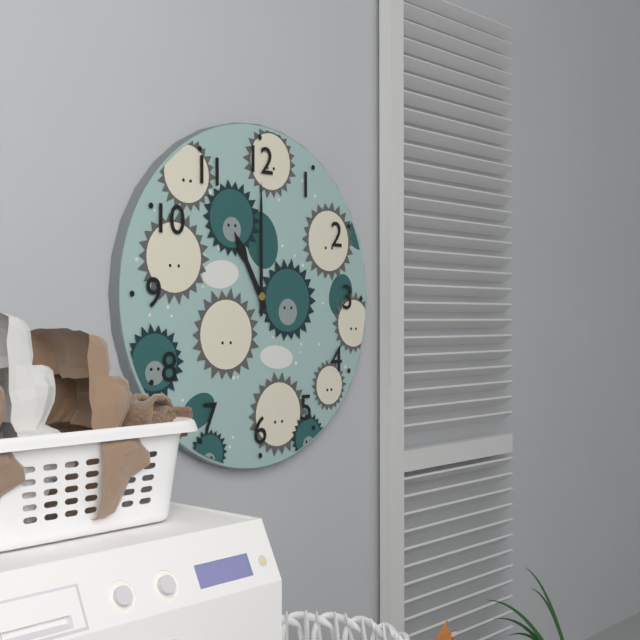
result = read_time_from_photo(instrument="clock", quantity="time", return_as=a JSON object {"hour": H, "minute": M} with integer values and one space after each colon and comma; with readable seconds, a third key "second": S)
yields {"hour": 11, "minute": 0}
